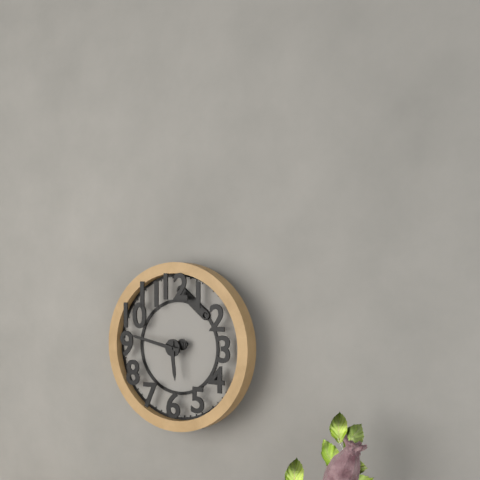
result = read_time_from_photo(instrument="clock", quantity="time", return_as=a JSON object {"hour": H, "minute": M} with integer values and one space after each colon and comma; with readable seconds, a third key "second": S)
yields {"hour": 5, "minute": 47}
